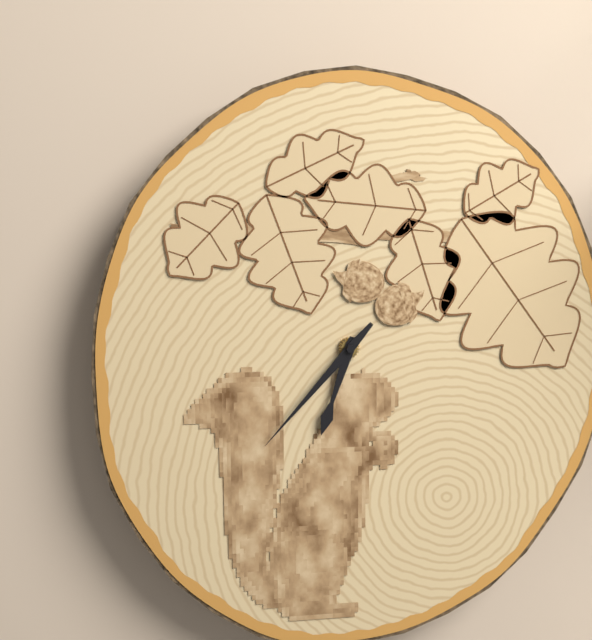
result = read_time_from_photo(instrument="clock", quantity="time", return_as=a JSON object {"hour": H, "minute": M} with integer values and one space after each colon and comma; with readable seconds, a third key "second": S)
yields {"hour": 6, "minute": 37}
